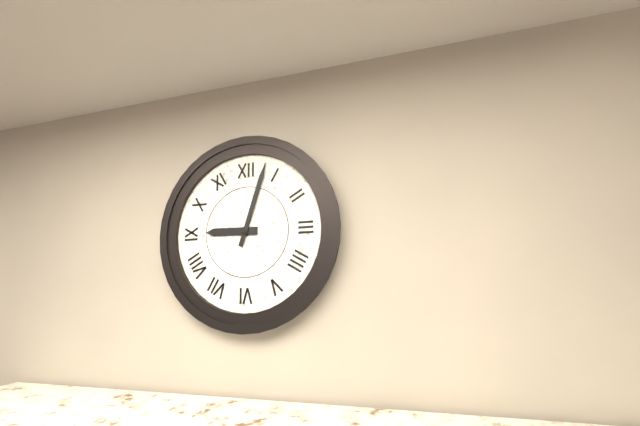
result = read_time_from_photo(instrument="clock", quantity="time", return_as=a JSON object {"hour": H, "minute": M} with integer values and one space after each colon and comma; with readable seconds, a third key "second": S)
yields {"hour": 9, "minute": 3}
